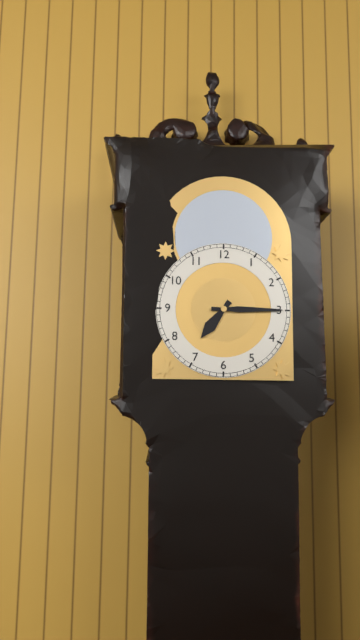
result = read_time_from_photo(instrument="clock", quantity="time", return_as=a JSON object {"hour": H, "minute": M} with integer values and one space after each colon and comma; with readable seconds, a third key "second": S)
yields {"hour": 7, "minute": 15}
